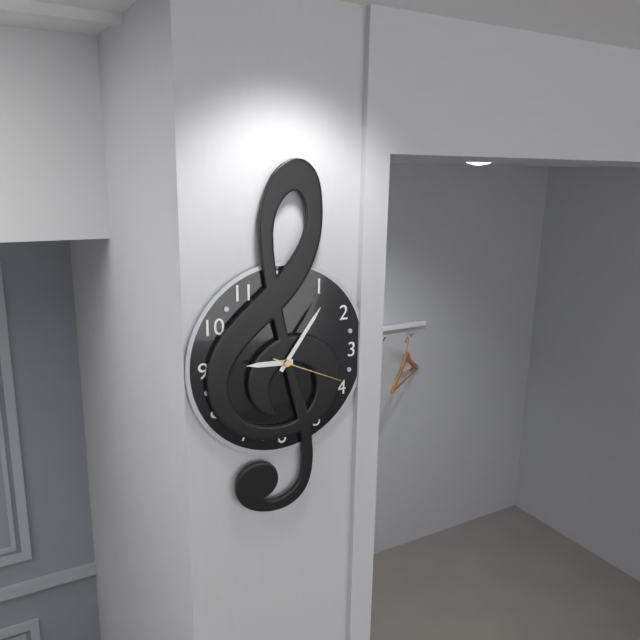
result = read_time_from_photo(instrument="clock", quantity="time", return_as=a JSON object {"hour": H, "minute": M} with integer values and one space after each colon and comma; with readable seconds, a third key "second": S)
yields {"hour": 9, "minute": 6, "second": 19}
